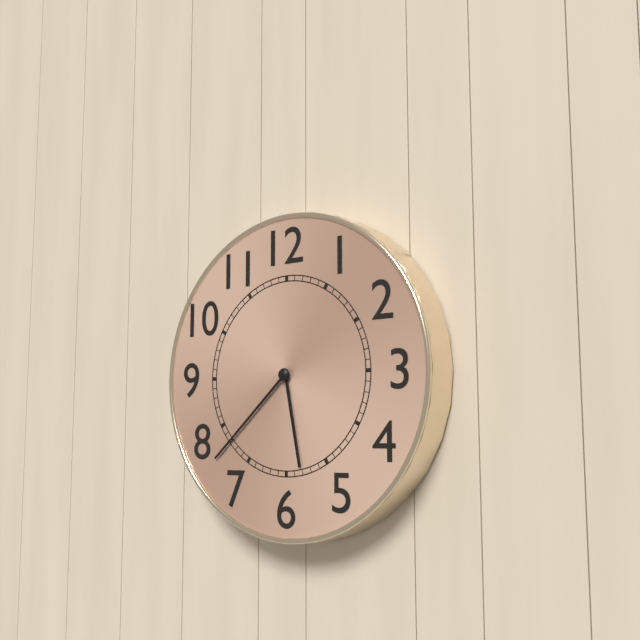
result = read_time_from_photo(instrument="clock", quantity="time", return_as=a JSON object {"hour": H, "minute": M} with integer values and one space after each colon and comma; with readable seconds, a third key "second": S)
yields {"hour": 5, "minute": 38}
